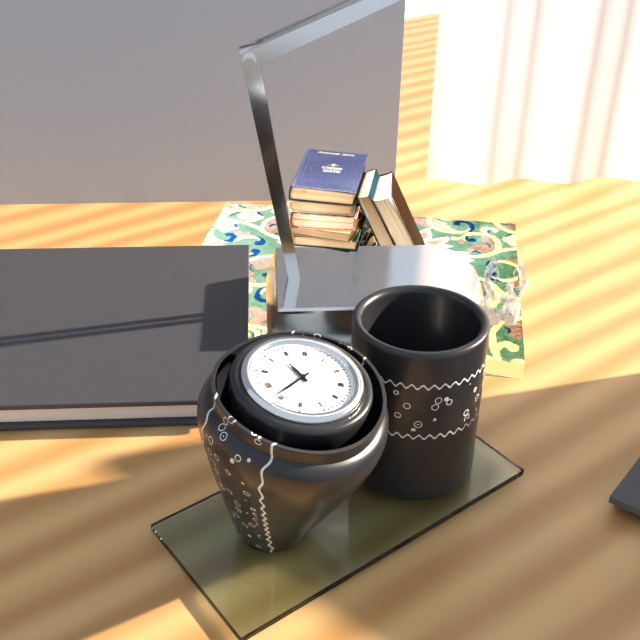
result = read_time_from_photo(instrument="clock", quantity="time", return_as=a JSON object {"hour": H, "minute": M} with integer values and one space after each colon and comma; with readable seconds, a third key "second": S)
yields {"hour": 10, "minute": 36}
